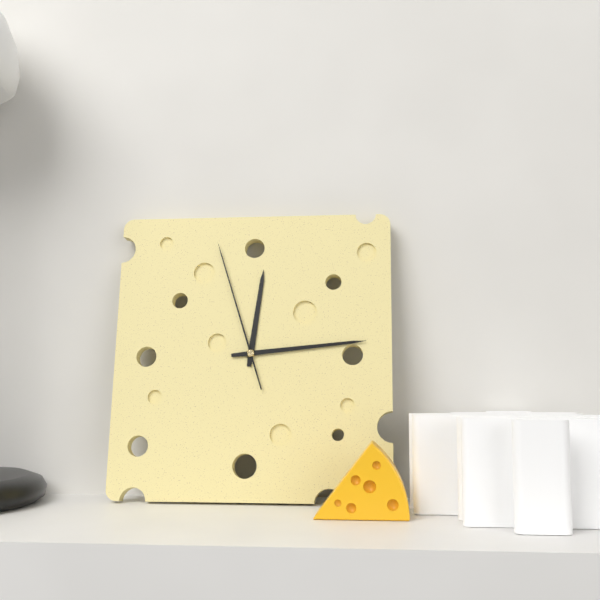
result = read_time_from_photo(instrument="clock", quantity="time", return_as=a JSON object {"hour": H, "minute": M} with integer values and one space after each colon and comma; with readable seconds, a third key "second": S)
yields {"hour": 12, "minute": 14, "second": 57}
